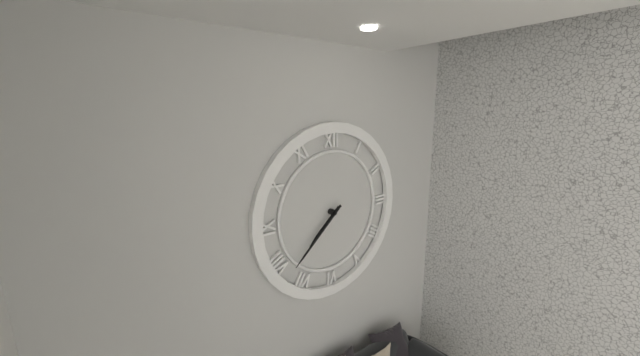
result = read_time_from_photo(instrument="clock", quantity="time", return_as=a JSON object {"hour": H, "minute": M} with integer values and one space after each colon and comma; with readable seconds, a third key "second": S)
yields {"hour": 7, "minute": 38}
